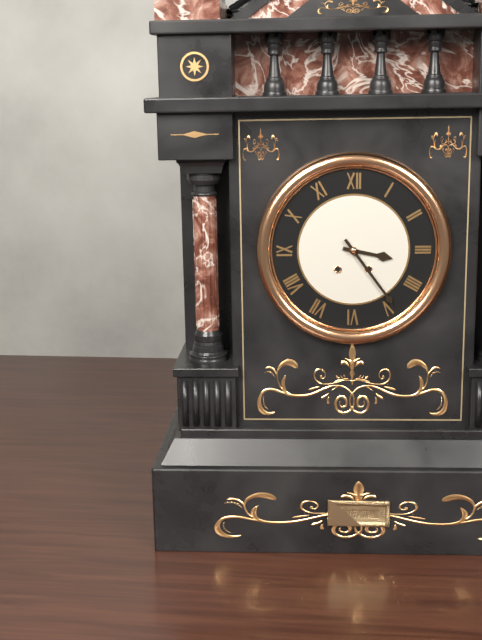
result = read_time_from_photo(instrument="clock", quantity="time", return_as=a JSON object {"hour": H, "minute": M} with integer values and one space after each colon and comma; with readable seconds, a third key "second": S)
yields {"hour": 3, "minute": 24}
